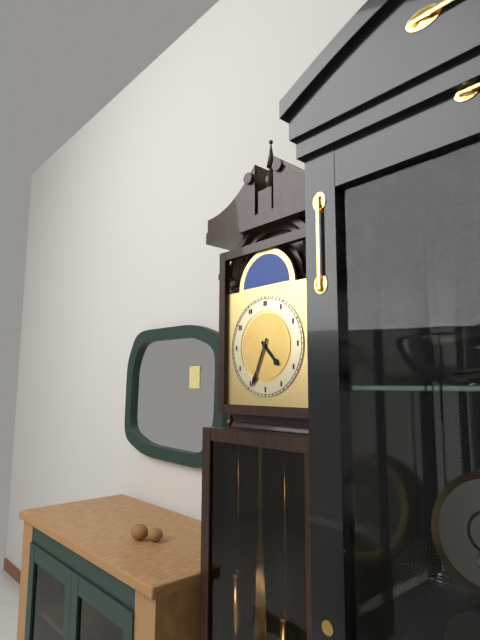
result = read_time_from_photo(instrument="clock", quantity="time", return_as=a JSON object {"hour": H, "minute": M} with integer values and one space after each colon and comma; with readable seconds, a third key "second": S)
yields {"hour": 4, "minute": 34}
